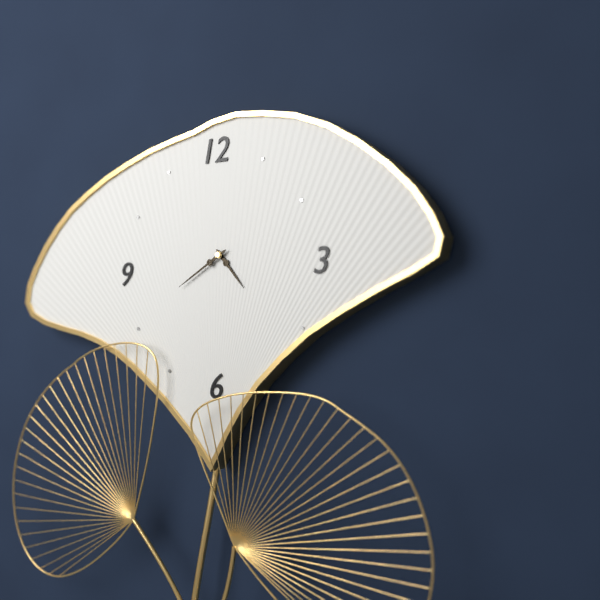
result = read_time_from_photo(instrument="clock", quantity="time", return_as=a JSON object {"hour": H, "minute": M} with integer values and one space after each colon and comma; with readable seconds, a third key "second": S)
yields {"hour": 4, "minute": 40}
